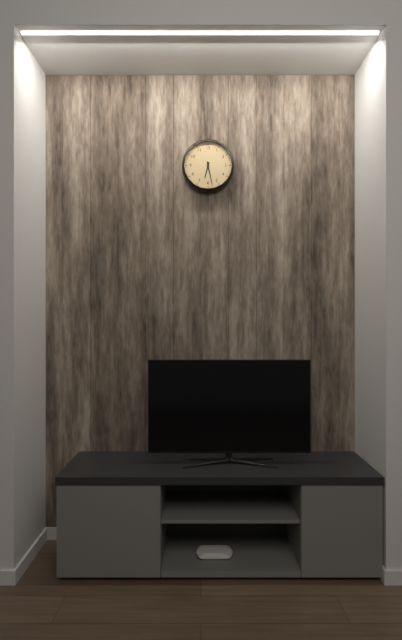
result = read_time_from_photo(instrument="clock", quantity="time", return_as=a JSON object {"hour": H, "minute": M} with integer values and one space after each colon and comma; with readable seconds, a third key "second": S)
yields {"hour": 6, "minute": 28}
